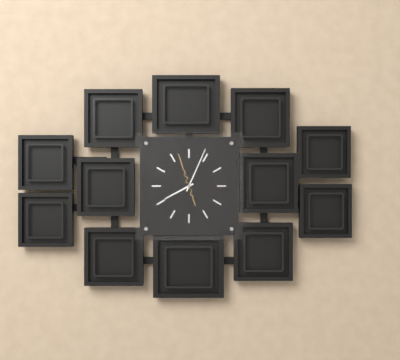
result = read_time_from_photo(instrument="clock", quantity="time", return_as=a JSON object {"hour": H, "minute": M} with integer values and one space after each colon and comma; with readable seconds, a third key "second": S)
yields {"hour": 8, "minute": 4}
